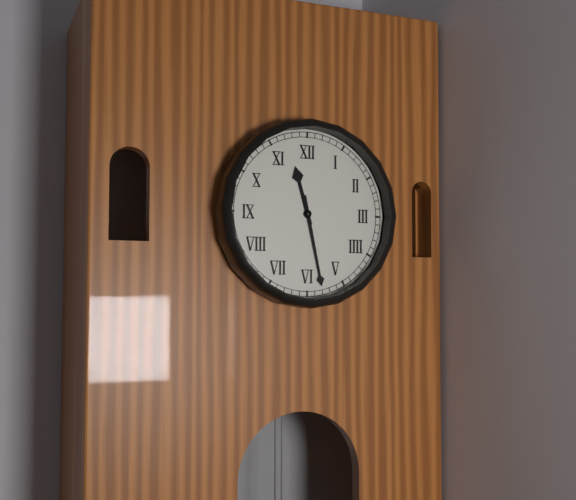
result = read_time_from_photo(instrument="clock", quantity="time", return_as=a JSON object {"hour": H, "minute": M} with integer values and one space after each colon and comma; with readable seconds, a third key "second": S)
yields {"hour": 11, "minute": 28}
